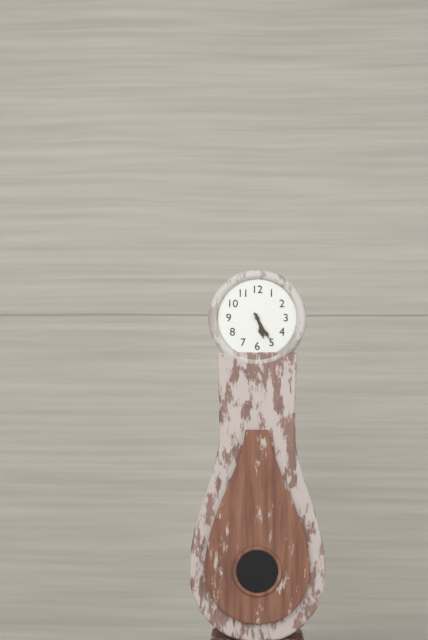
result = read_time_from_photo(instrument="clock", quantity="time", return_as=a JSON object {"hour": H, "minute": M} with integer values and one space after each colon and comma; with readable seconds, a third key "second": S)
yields {"hour": 5, "minute": 25}
